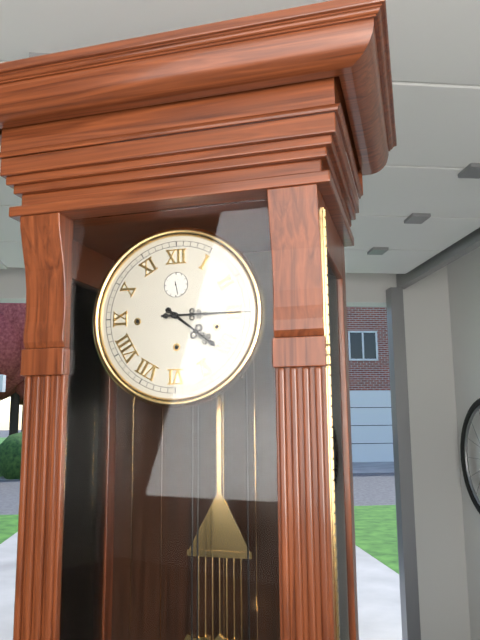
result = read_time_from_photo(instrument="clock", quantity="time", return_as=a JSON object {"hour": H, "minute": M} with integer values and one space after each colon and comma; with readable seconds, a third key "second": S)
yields {"hour": 4, "minute": 15}
